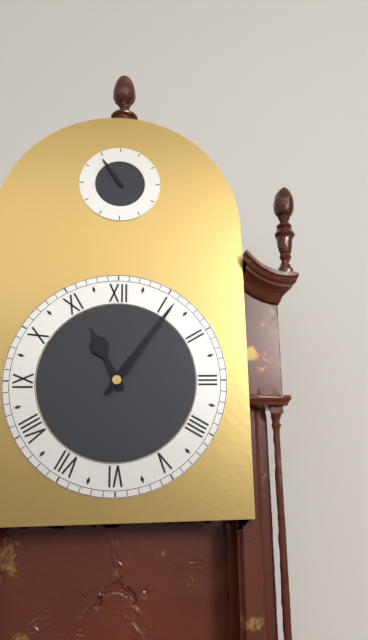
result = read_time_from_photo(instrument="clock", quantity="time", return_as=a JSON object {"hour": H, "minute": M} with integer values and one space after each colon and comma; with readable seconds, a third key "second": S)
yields {"hour": 11, "minute": 6}
